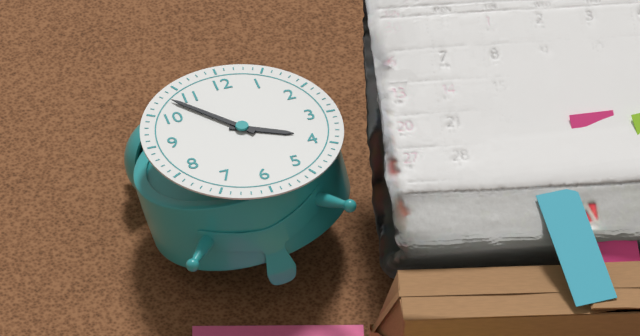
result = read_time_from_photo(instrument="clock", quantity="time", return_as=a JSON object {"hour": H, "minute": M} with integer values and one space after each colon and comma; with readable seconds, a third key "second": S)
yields {"hour": 3, "minute": 53}
